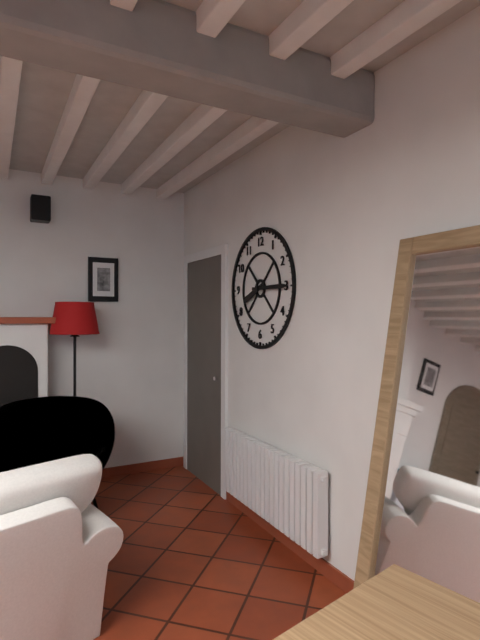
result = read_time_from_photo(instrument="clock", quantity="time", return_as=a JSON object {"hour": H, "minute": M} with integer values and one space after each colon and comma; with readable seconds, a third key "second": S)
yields {"hour": 8, "minute": 15}
